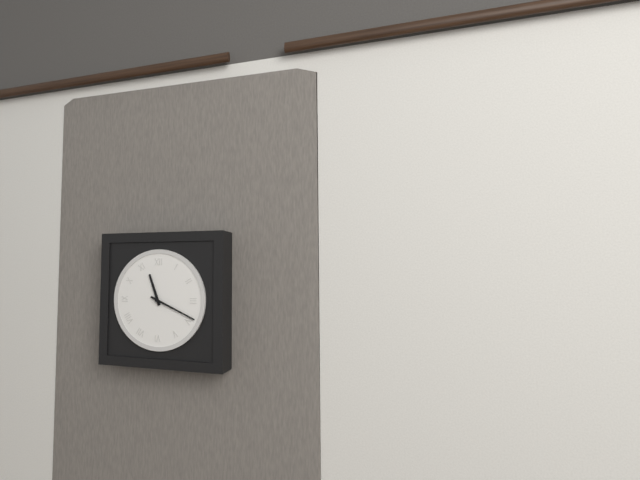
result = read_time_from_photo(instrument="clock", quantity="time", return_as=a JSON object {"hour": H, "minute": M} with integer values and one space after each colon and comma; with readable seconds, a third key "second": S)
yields {"hour": 11, "minute": 19}
